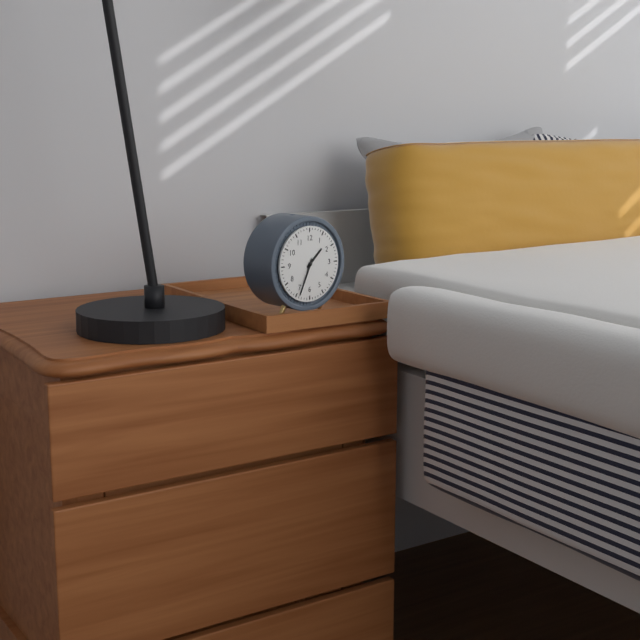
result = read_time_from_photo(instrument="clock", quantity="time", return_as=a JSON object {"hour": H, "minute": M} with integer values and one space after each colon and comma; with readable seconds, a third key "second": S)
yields {"hour": 1, "minute": 34}
